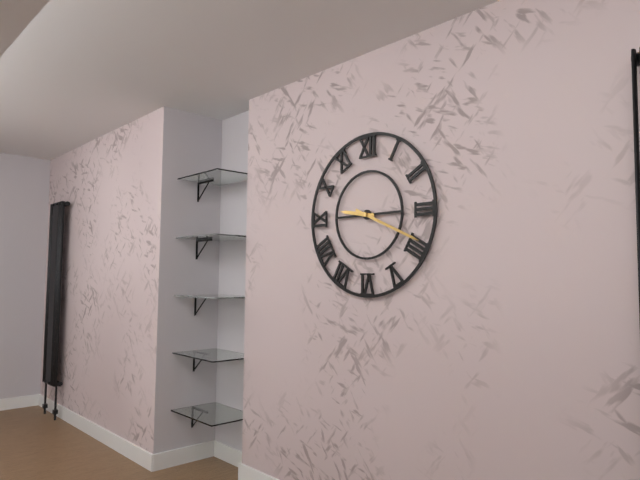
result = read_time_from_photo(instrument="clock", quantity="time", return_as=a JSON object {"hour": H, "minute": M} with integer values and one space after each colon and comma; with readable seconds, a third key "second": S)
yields {"hour": 9, "minute": 19}
